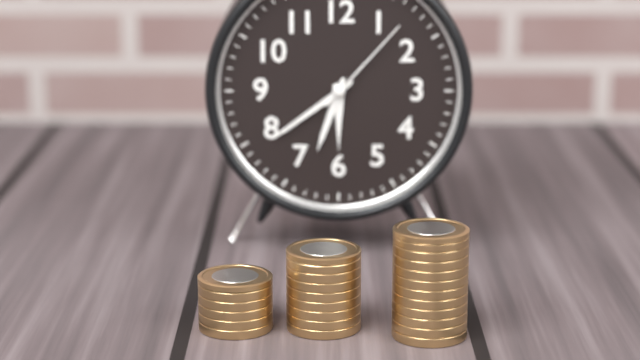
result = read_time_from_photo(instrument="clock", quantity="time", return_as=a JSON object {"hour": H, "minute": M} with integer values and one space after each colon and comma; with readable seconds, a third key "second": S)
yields {"hour": 6, "minute": 39, "second": 7}
